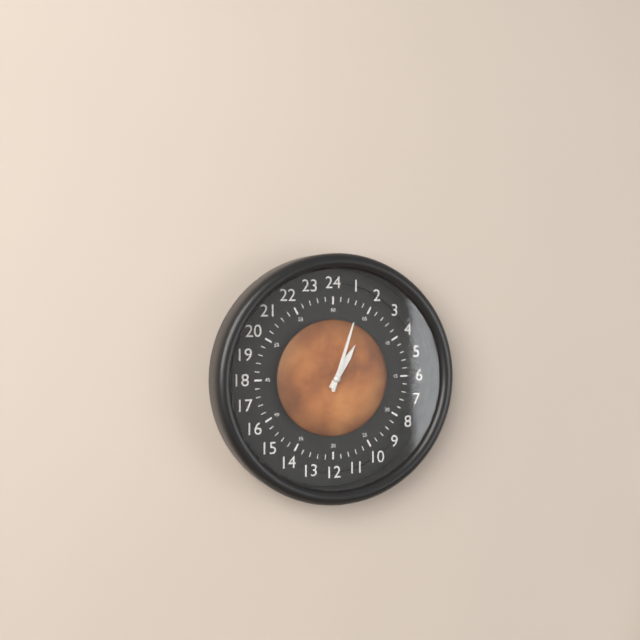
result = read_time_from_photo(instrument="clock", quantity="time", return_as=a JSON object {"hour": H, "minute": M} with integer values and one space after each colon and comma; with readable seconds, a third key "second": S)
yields {"hour": 1, "minute": 3}
